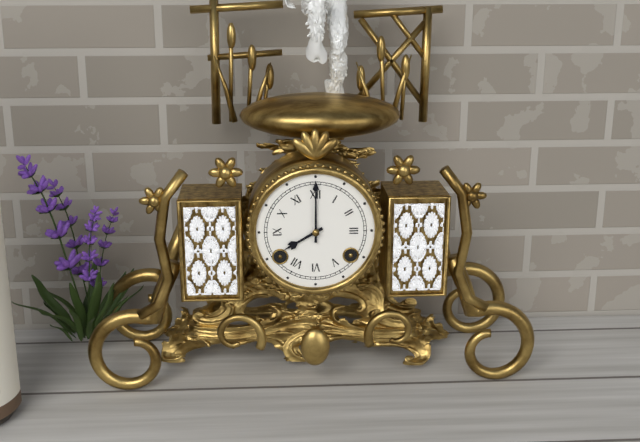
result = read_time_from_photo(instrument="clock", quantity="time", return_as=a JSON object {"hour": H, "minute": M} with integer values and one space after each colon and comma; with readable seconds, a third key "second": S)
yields {"hour": 8, "minute": 0}
